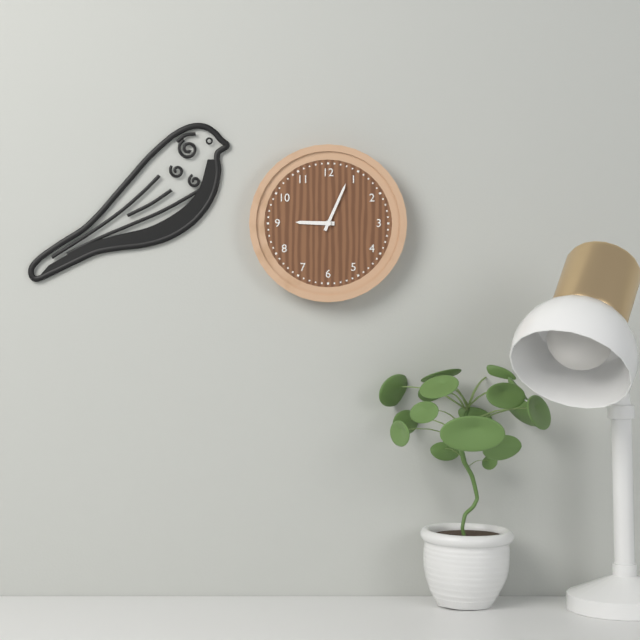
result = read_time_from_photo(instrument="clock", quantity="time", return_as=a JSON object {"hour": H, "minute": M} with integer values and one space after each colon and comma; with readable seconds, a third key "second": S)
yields {"hour": 9, "minute": 4}
